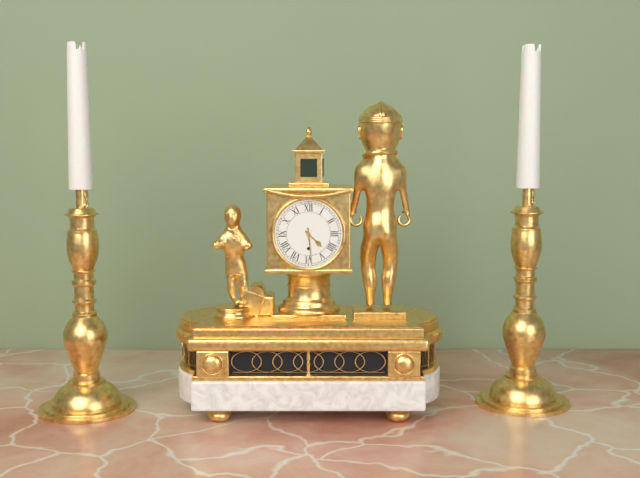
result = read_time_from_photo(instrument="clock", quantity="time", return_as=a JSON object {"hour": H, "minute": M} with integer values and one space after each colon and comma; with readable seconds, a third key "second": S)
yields {"hour": 4, "minute": 29}
